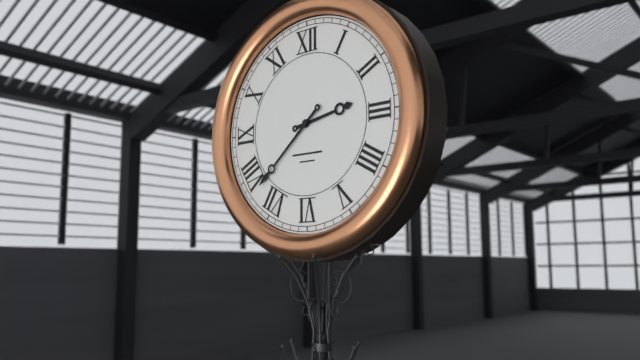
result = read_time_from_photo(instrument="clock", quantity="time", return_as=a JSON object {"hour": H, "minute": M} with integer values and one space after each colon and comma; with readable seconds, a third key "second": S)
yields {"hour": 2, "minute": 38}
